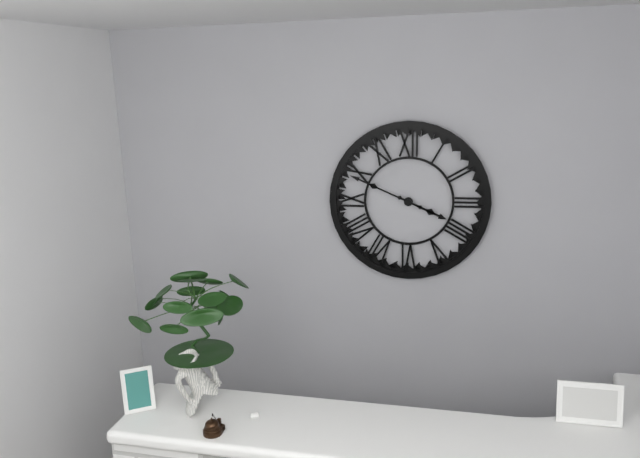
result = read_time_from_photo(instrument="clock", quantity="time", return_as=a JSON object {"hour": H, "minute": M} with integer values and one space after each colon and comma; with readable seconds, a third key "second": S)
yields {"hour": 3, "minute": 49}
